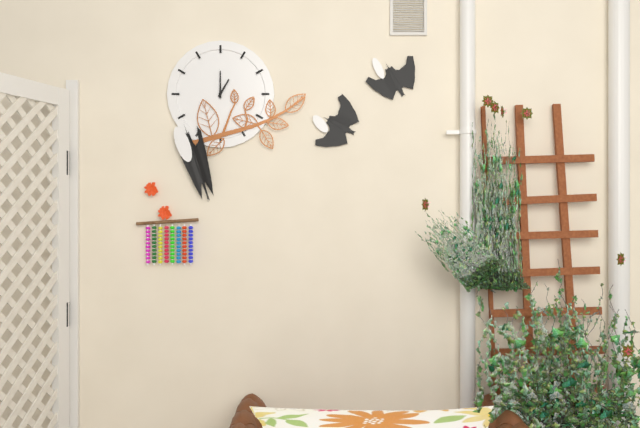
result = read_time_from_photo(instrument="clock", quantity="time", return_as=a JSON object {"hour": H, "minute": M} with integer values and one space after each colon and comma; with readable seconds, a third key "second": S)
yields {"hour": 1, "minute": 0}
